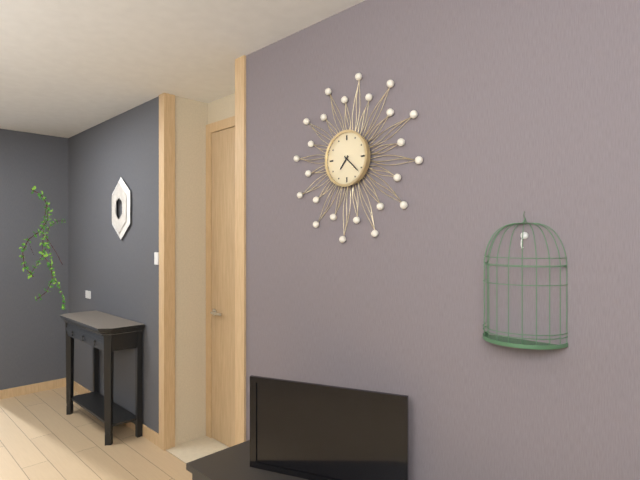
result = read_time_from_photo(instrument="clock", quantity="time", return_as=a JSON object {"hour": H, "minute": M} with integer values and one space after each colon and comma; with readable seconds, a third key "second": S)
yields {"hour": 7, "minute": 22}
